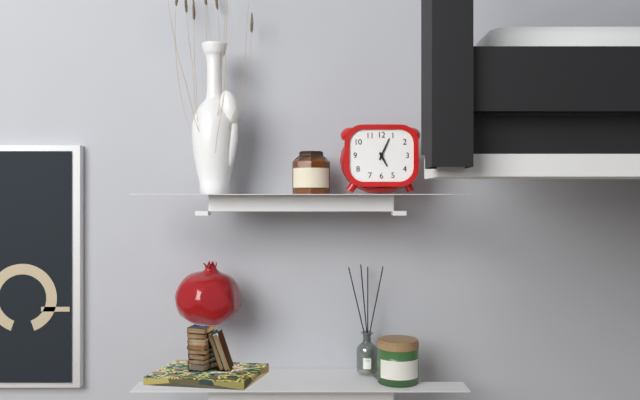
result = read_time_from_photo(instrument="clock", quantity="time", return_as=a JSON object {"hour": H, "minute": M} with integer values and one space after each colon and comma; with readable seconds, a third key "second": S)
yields {"hour": 5, "minute": 4}
